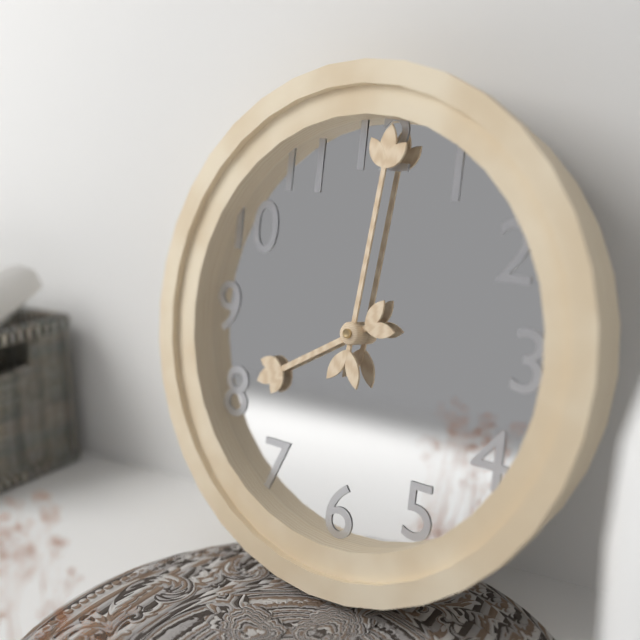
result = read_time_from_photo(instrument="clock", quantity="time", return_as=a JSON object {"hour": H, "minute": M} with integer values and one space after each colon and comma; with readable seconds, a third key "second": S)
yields {"hour": 8, "minute": 1}
